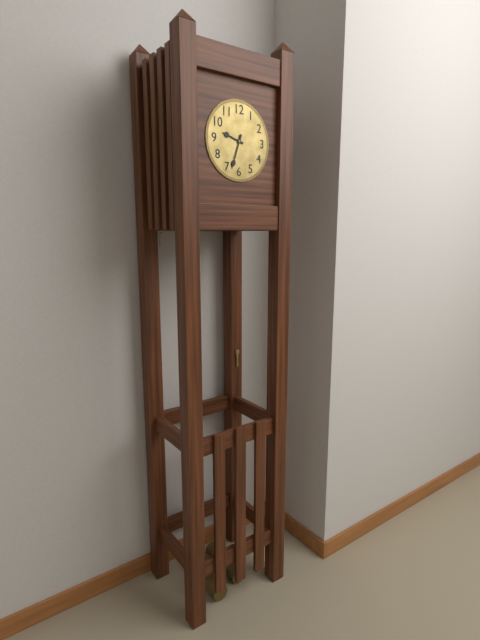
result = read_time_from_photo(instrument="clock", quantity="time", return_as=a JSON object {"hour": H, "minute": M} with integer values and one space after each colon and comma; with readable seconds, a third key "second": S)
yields {"hour": 9, "minute": 33}
